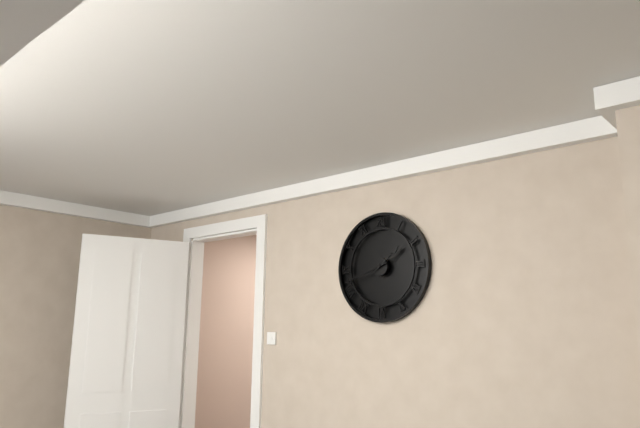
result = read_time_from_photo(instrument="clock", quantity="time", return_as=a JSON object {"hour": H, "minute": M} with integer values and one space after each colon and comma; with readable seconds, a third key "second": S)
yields {"hour": 1, "minute": 42}
